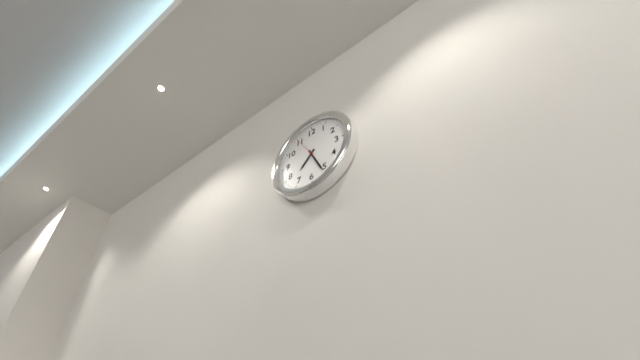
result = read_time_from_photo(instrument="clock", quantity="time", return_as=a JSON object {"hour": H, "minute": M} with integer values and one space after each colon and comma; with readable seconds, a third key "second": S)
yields {"hour": 7, "minute": 26}
